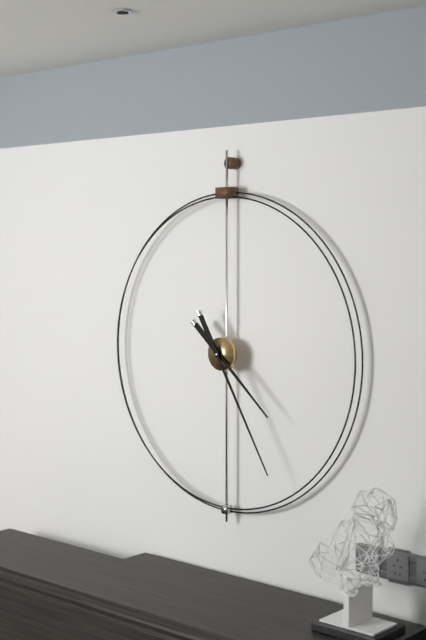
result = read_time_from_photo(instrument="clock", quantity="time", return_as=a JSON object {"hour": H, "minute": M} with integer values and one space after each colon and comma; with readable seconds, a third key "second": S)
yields {"hour": 4, "minute": 25}
